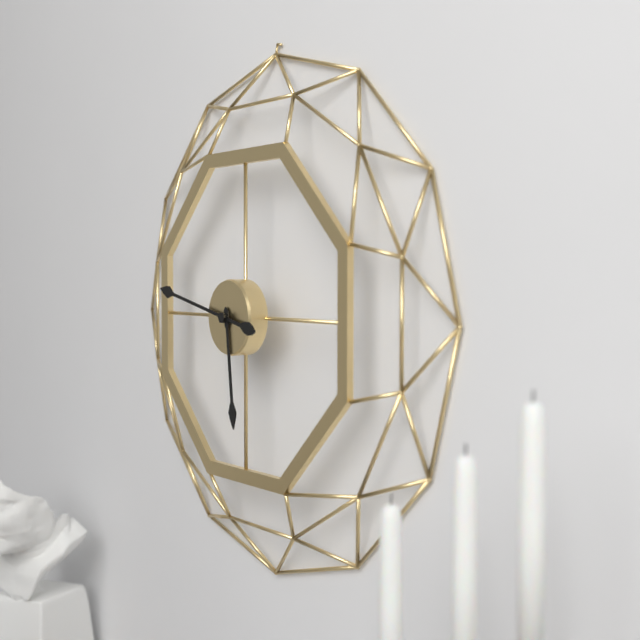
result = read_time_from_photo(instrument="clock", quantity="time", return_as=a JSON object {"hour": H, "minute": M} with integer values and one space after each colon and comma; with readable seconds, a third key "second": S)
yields {"hour": 5, "minute": 47}
